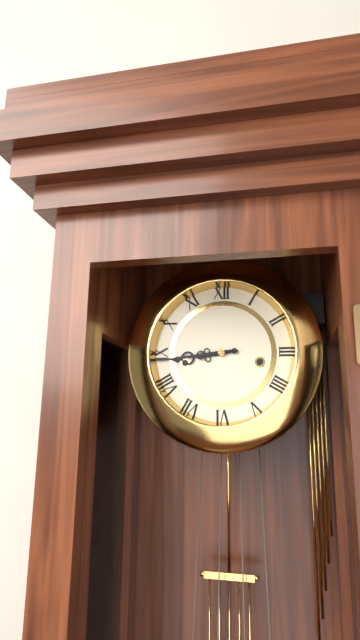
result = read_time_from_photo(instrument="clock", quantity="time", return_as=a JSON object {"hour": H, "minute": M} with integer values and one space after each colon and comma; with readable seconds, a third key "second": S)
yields {"hour": 8, "minute": 44}
